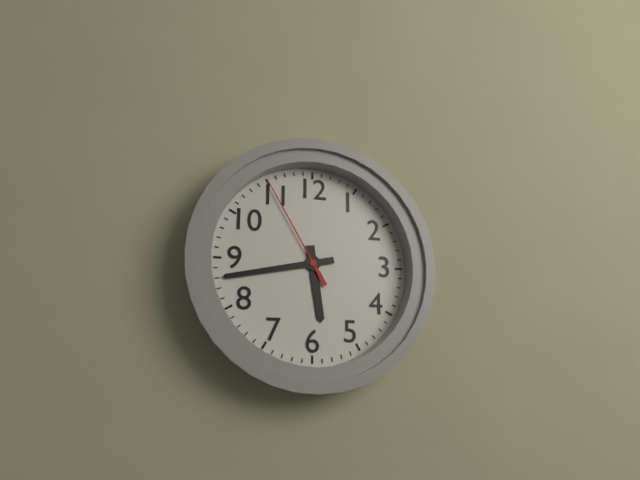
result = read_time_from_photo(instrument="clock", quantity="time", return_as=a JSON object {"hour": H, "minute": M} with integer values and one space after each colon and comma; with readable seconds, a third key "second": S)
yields {"hour": 5, "minute": 43, "second": 55}
